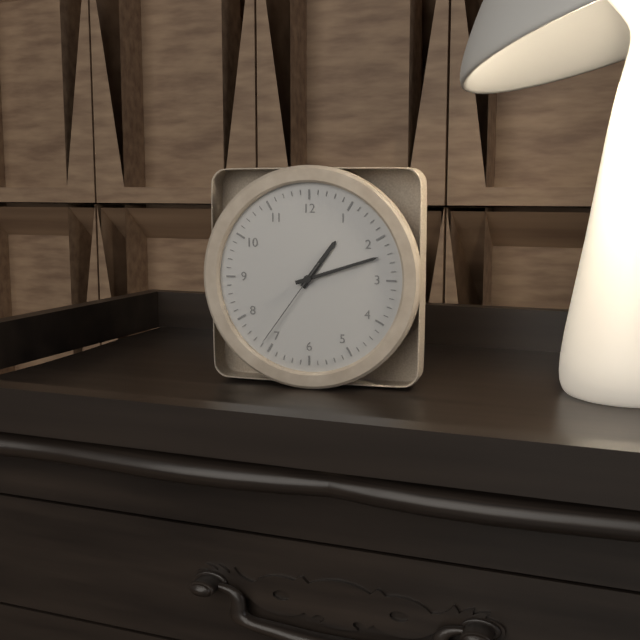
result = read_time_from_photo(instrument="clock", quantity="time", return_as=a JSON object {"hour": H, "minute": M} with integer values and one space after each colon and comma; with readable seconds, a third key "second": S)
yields {"hour": 1, "minute": 12, "second": 36}
